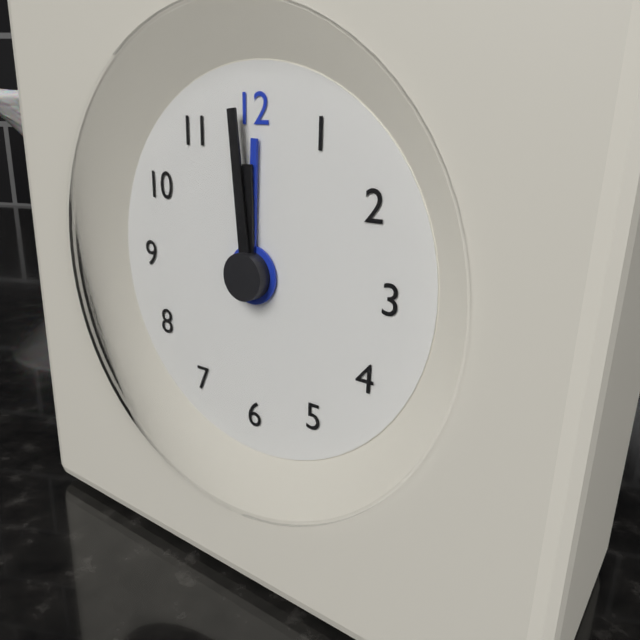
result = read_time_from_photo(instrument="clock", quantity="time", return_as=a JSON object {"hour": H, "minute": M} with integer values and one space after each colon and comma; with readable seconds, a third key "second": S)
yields {"hour": 11, "minute": 59}
